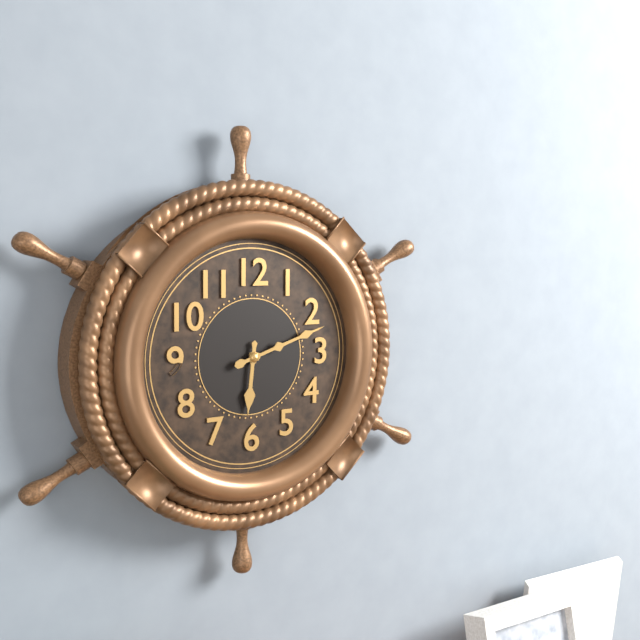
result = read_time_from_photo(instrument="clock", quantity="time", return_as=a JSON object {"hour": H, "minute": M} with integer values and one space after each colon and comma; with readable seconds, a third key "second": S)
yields {"hour": 6, "minute": 12}
